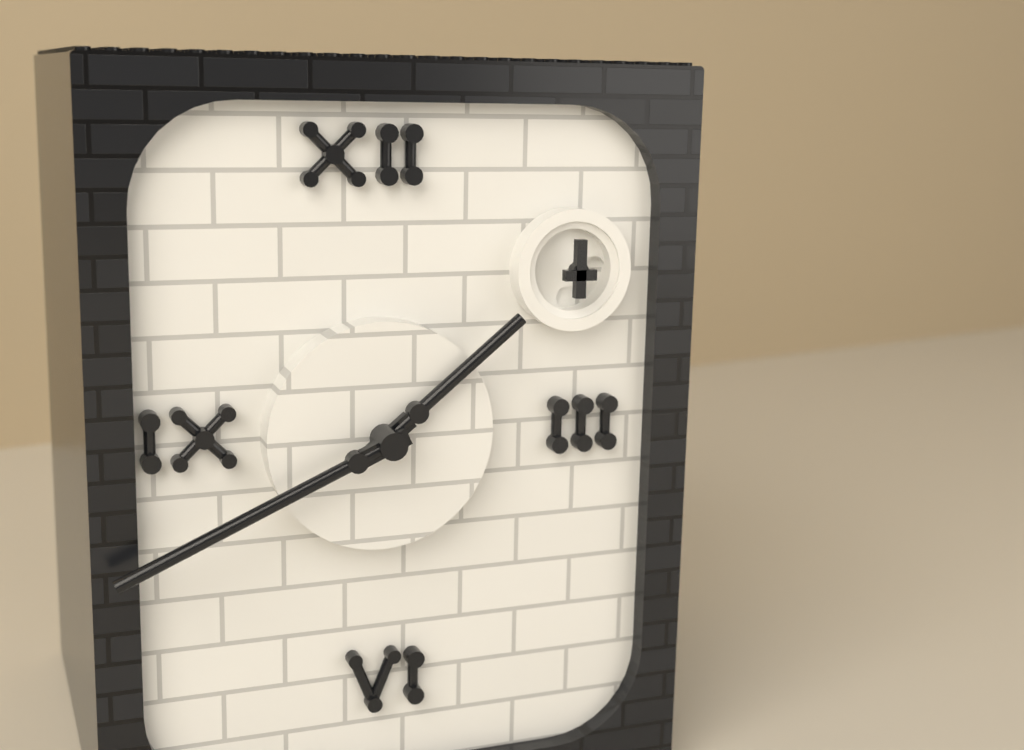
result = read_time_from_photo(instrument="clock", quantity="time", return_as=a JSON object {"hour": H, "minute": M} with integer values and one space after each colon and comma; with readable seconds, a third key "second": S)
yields {"hour": 1, "minute": 41}
